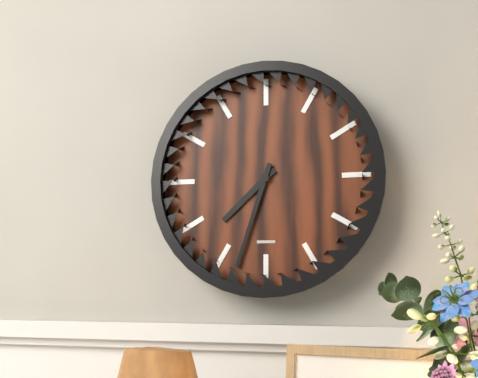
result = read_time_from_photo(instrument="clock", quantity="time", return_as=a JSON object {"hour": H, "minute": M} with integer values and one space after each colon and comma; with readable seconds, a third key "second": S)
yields {"hour": 7, "minute": 33}
